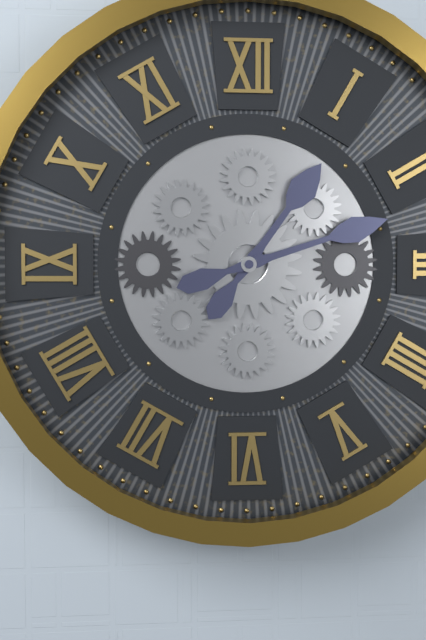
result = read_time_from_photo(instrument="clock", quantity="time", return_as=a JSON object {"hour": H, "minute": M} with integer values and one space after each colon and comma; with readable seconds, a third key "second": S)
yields {"hour": 1, "minute": 12}
